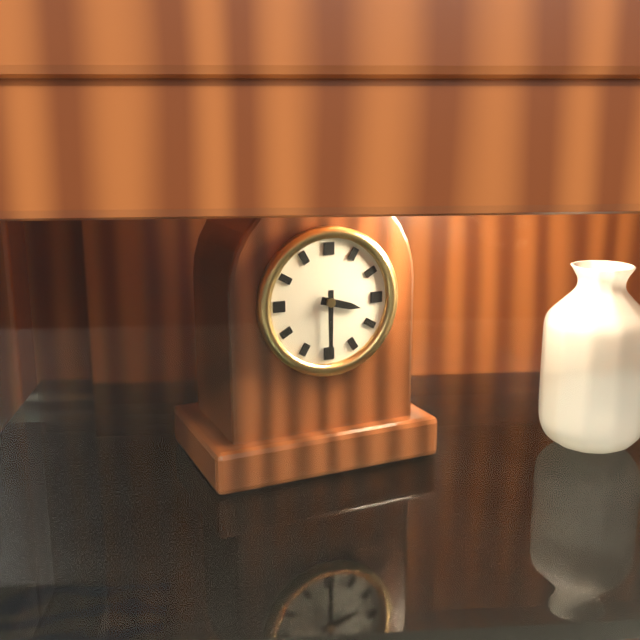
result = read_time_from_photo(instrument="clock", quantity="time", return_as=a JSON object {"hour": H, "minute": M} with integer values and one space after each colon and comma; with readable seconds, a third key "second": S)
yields {"hour": 3, "minute": 30}
